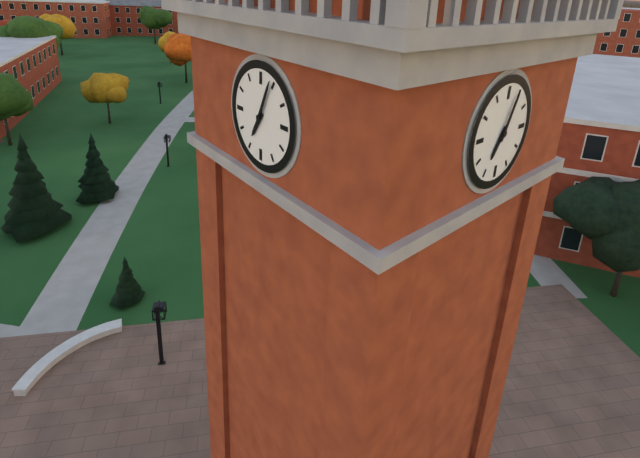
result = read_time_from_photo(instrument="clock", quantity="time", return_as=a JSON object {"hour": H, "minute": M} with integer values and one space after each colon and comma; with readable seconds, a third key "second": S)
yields {"hour": 7, "minute": 4}
